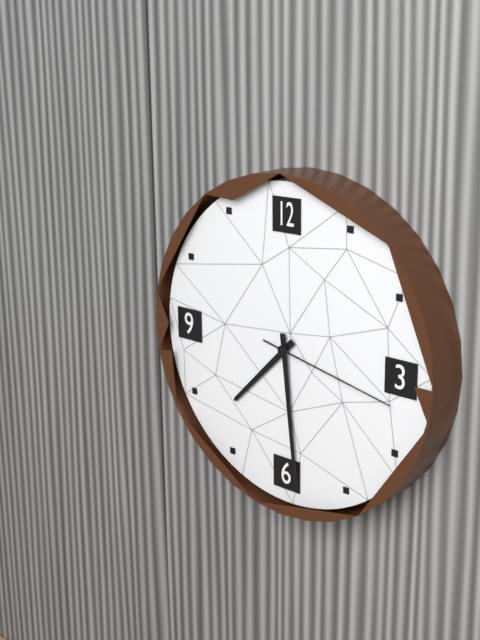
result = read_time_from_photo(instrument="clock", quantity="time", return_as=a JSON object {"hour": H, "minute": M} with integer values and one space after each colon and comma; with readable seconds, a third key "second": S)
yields {"hour": 7, "minute": 29, "second": 17}
